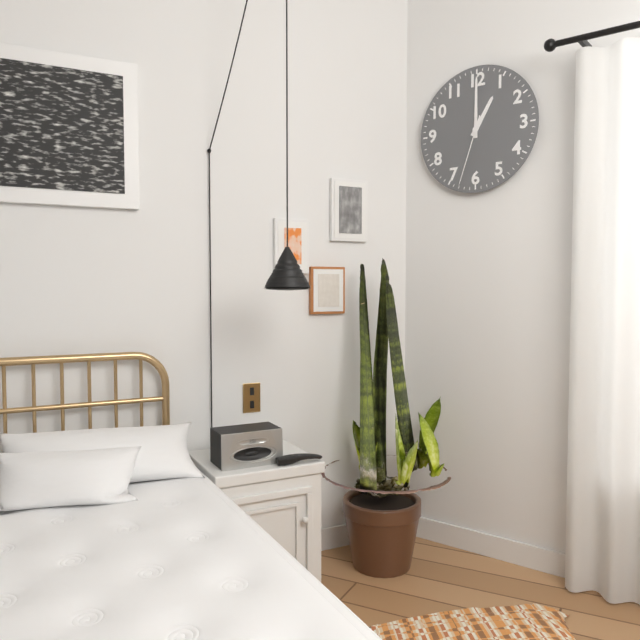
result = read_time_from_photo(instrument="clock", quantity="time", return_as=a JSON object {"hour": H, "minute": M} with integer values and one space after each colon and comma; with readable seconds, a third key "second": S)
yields {"hour": 1, "minute": 0, "second": 33}
